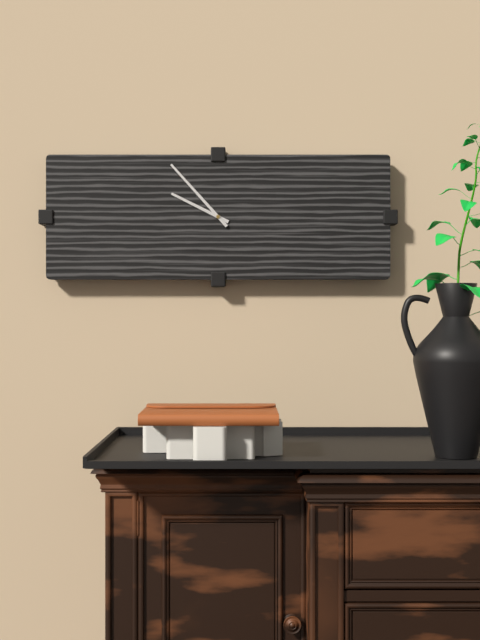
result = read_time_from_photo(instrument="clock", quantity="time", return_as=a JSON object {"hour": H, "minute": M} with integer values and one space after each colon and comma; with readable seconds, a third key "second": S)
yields {"hour": 9, "minute": 53}
